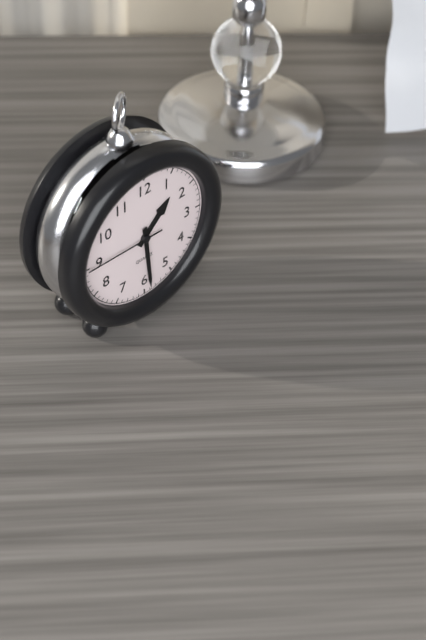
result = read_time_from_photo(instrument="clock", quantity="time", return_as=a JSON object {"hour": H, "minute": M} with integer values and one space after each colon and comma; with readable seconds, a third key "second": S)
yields {"hour": 1, "minute": 29, "second": 45}
